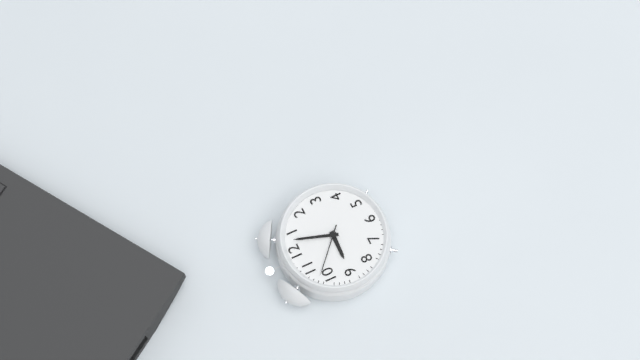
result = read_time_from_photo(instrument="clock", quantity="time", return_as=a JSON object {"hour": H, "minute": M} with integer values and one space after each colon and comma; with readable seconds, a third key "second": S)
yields {"hour": 9, "minute": 3, "second": 52}
